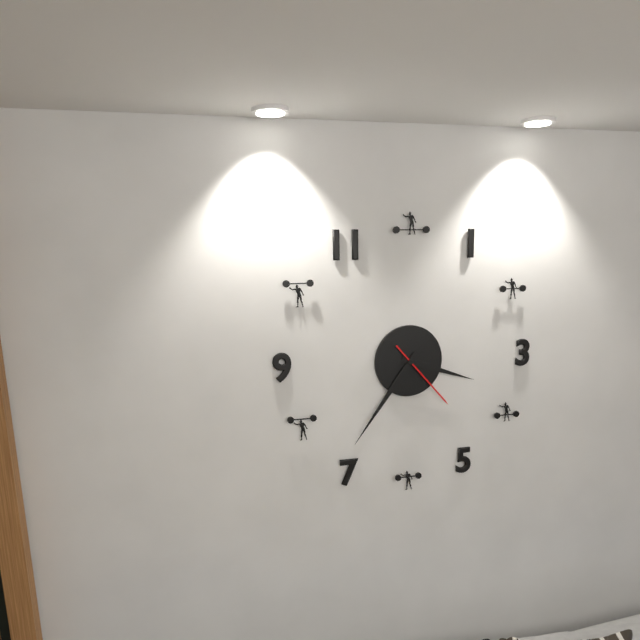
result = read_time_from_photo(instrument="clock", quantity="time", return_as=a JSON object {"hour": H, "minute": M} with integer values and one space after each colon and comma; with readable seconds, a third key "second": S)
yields {"hour": 3, "minute": 36, "second": 23}
